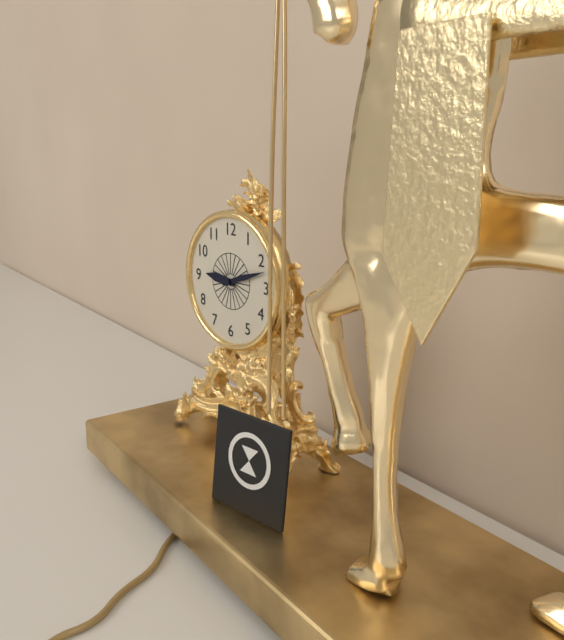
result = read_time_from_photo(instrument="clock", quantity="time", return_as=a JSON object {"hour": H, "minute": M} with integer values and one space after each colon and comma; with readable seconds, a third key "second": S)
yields {"hour": 9, "minute": 12}
